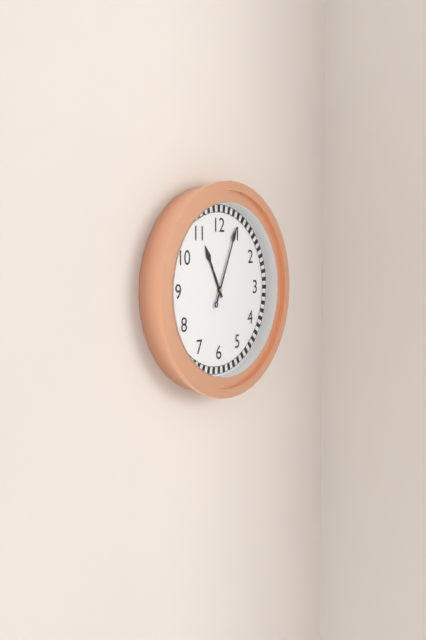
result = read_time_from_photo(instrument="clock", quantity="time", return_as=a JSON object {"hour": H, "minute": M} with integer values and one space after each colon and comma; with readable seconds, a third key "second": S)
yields {"hour": 11, "minute": 4}
